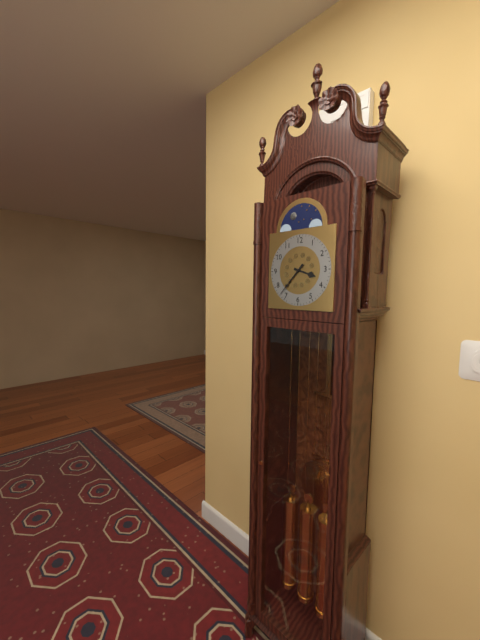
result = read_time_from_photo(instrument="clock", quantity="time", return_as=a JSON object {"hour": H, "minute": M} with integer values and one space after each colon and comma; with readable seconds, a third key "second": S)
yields {"hour": 3, "minute": 37}
